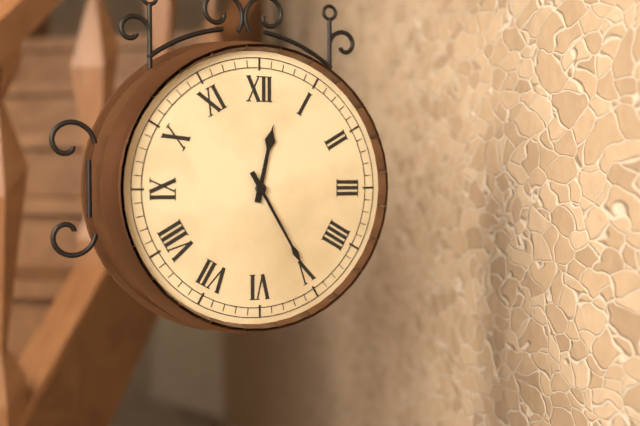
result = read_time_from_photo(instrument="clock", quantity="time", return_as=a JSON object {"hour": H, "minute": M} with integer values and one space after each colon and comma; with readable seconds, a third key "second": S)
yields {"hour": 12, "minute": 25}
